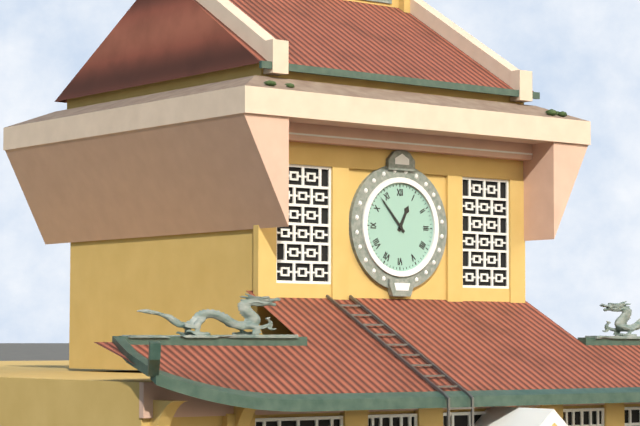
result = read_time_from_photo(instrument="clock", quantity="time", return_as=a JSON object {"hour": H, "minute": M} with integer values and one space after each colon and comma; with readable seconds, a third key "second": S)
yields {"hour": 12, "minute": 53}
